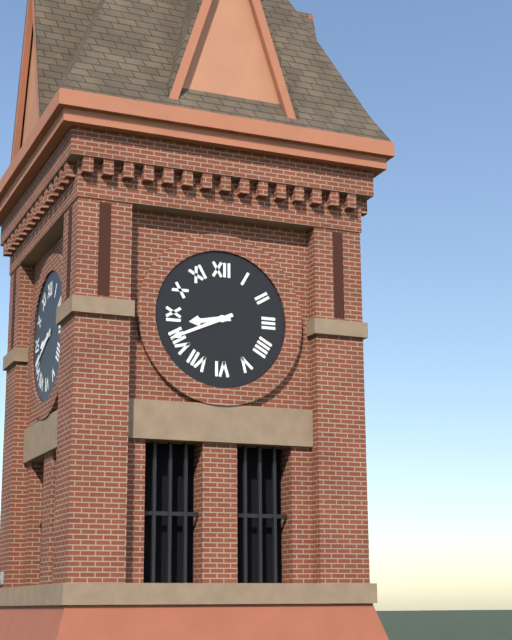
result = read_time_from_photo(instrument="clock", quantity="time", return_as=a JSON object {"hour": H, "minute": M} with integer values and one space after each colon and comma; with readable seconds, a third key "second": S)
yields {"hour": 8, "minute": 41}
